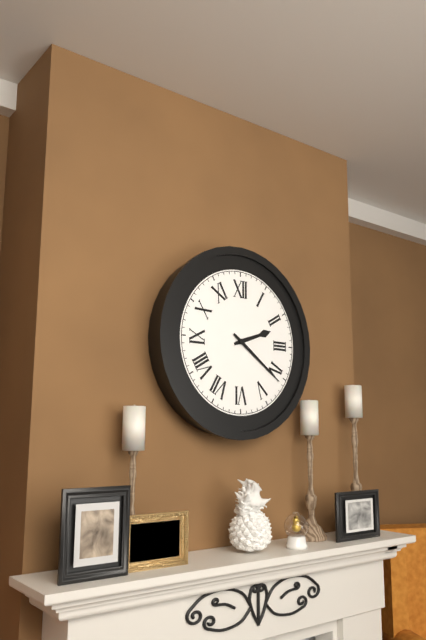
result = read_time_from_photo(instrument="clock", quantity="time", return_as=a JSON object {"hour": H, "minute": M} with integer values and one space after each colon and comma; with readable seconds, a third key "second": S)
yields {"hour": 2, "minute": 21}
